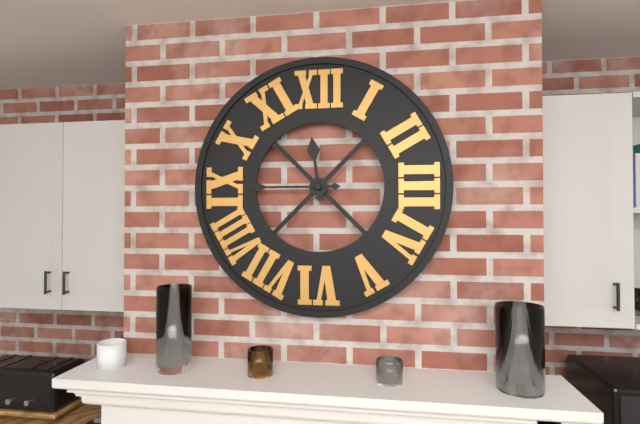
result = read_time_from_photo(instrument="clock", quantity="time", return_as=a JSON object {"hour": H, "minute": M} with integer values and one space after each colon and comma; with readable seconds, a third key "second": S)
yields {"hour": 11, "minute": 45}
